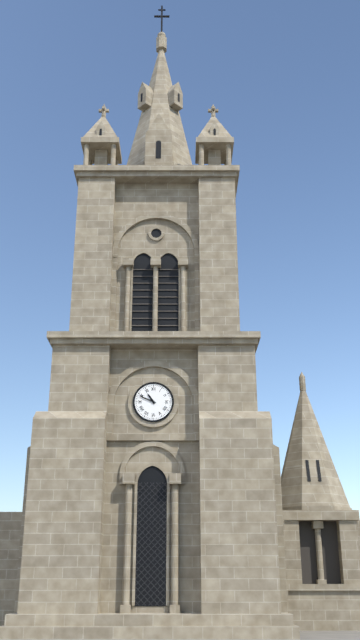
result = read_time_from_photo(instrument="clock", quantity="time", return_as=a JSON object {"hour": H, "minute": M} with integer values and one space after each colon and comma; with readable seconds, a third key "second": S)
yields {"hour": 10, "minute": 49}
